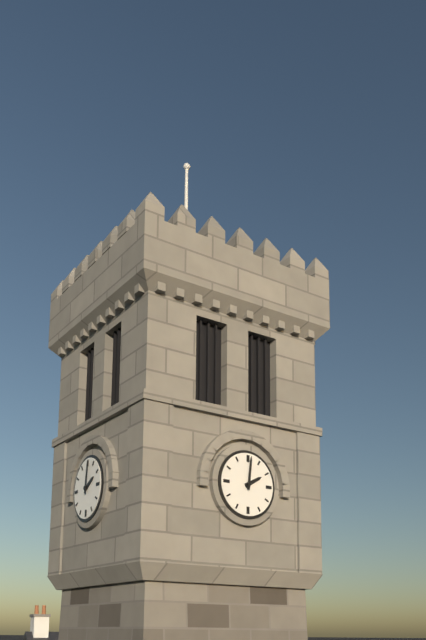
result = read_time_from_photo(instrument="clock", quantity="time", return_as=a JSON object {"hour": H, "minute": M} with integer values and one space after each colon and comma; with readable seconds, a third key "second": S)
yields {"hour": 2, "minute": 1}
